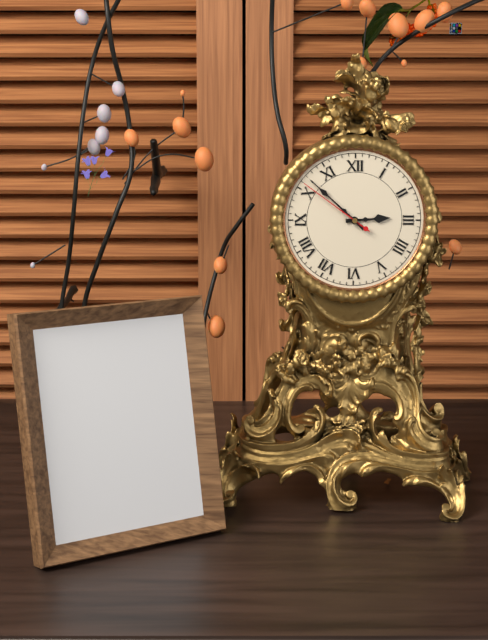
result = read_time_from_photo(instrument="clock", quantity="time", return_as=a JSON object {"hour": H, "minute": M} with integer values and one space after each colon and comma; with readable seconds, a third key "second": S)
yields {"hour": 2, "minute": 52, "second": 51}
